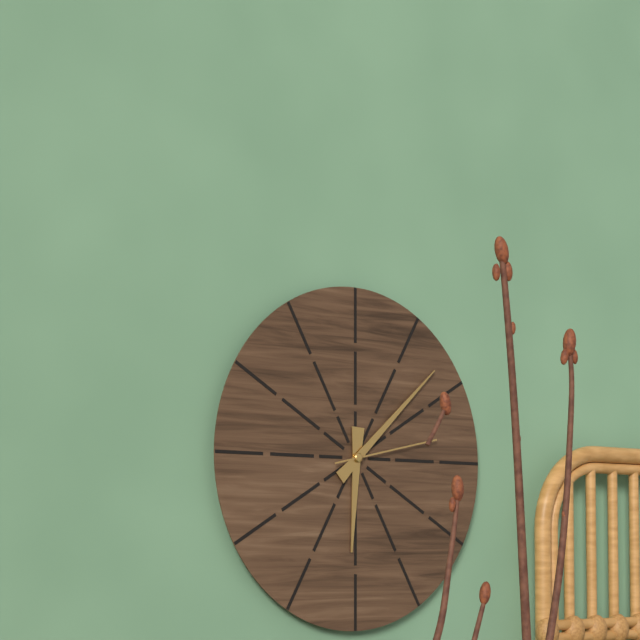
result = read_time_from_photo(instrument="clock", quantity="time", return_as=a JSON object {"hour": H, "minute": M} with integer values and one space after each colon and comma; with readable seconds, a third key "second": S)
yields {"hour": 6, "minute": 8, "second": 13}
